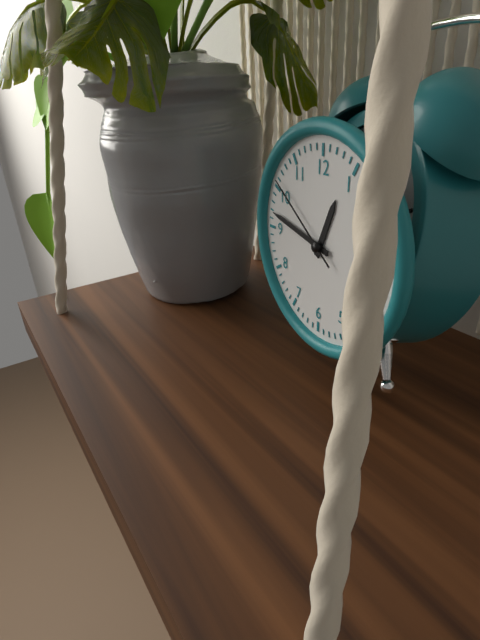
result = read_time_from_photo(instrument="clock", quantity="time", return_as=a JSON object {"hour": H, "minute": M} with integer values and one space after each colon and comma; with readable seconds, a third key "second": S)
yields {"hour": 12, "minute": 47, "second": 51}
